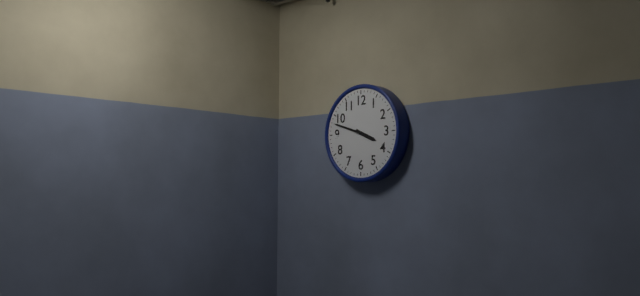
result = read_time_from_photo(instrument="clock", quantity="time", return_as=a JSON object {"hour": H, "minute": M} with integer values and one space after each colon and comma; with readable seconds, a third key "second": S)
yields {"hour": 3, "minute": 48}
